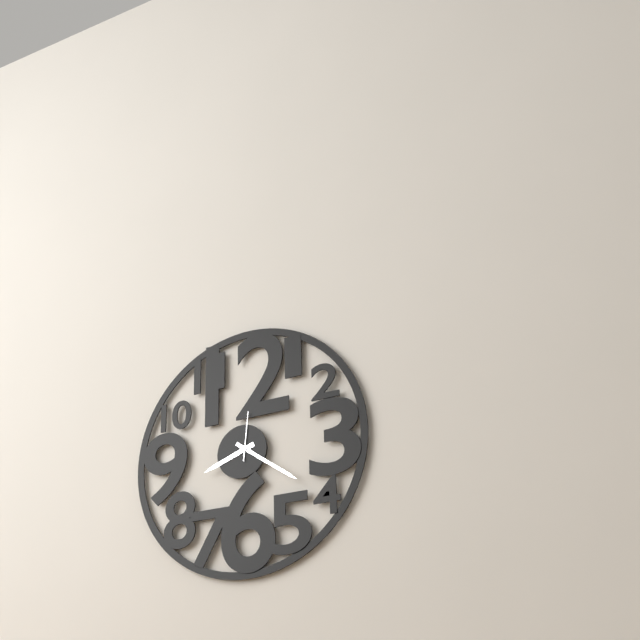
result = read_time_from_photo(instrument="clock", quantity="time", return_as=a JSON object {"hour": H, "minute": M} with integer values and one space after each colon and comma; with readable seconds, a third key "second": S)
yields {"hour": 8, "minute": 21}
